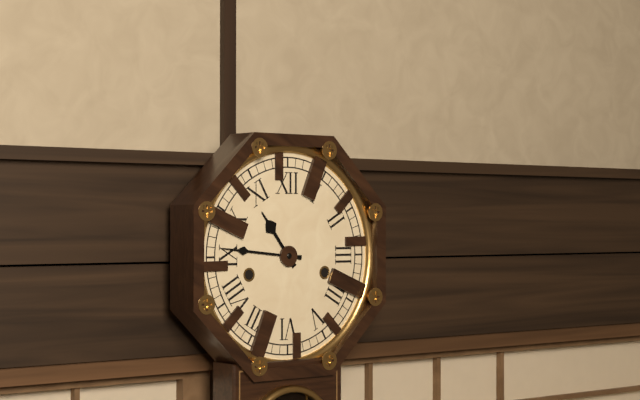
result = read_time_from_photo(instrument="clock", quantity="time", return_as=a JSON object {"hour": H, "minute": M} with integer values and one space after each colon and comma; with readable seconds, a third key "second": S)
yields {"hour": 10, "minute": 46}
